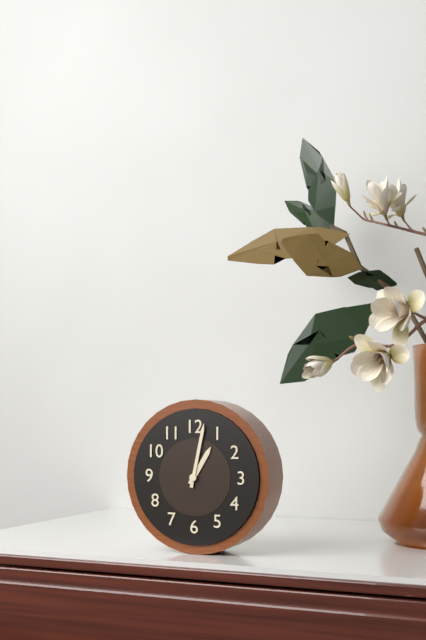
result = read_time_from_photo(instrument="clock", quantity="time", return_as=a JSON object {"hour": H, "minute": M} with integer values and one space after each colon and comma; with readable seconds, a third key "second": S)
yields {"hour": 1, "minute": 2}
